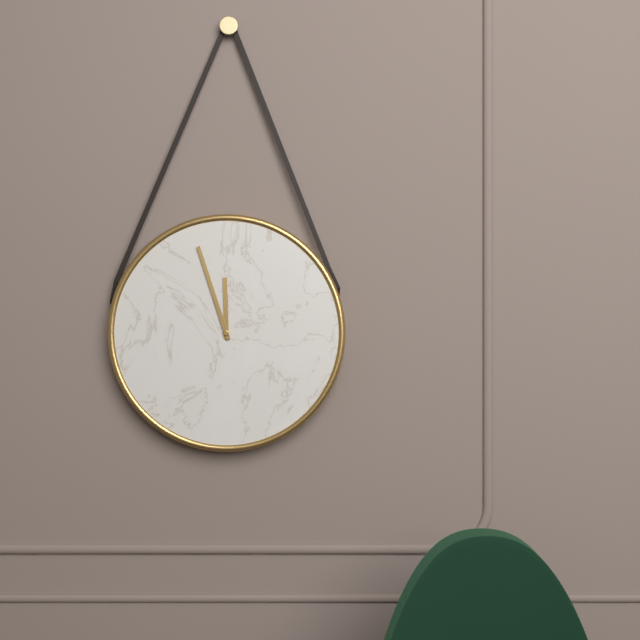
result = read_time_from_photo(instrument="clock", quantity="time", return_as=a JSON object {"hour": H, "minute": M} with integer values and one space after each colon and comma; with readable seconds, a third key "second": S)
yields {"hour": 11, "minute": 57}
